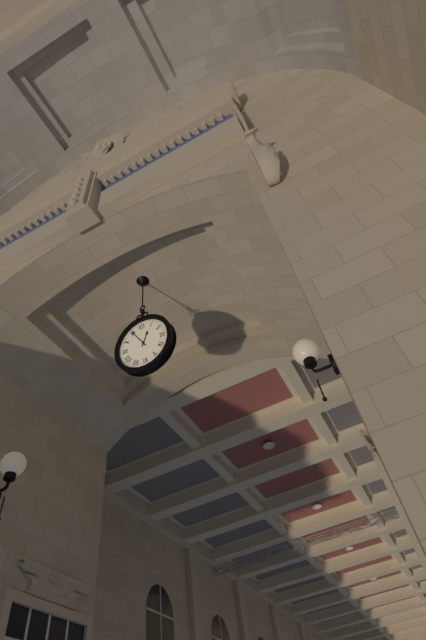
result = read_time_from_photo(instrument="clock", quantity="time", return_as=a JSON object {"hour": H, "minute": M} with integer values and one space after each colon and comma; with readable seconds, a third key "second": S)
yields {"hour": 12, "minute": 55}
